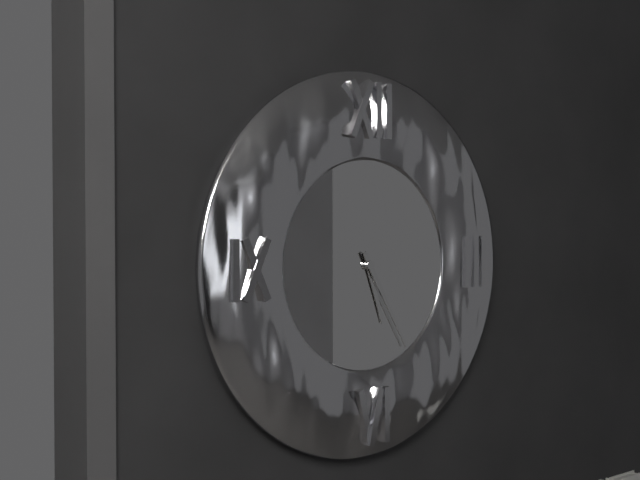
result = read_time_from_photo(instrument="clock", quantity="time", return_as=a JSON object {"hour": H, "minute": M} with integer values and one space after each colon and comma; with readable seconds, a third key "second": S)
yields {"hour": 5, "minute": 25}
